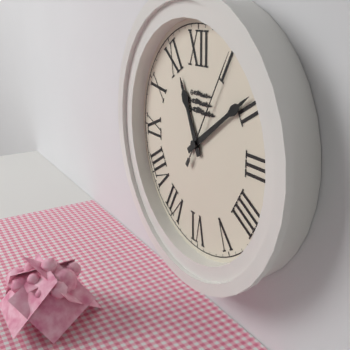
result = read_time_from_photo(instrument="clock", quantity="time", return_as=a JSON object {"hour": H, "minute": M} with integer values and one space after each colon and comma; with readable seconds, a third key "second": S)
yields {"hour": 11, "minute": 9, "second": 5}
